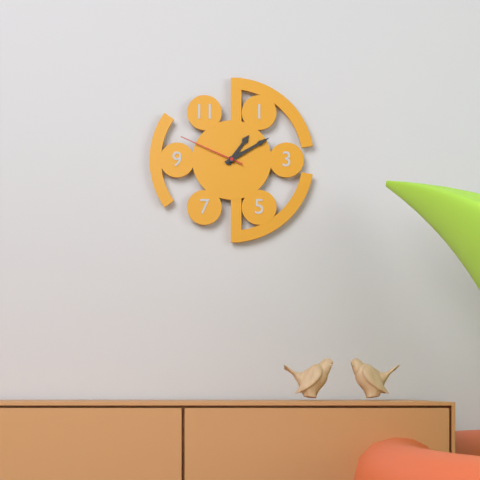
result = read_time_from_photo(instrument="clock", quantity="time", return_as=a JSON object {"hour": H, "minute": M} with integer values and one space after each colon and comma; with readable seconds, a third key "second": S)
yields {"hour": 1, "minute": 10, "second": 49}
